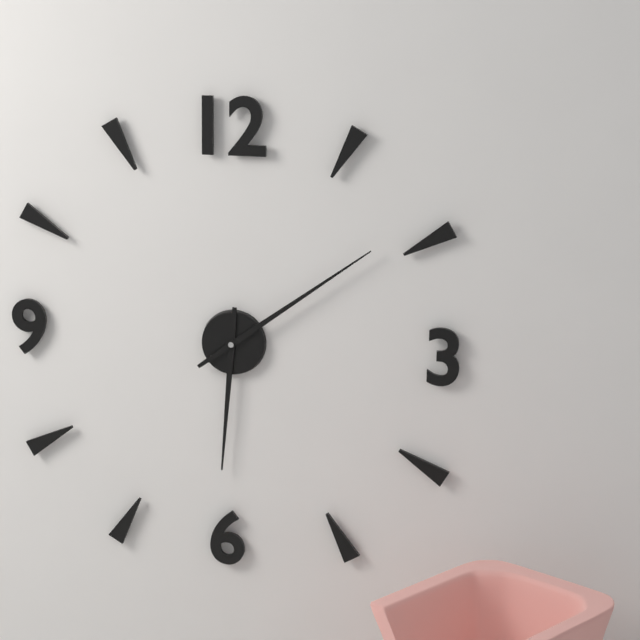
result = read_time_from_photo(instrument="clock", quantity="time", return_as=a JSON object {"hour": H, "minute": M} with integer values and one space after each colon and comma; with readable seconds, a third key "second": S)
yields {"hour": 6, "minute": 9}
